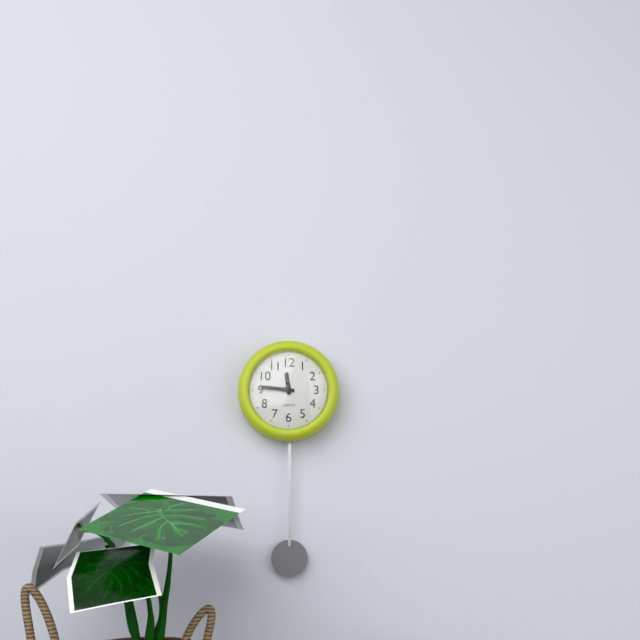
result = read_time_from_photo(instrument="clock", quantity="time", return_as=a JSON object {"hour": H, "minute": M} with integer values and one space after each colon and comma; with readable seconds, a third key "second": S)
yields {"hour": 11, "minute": 46}
